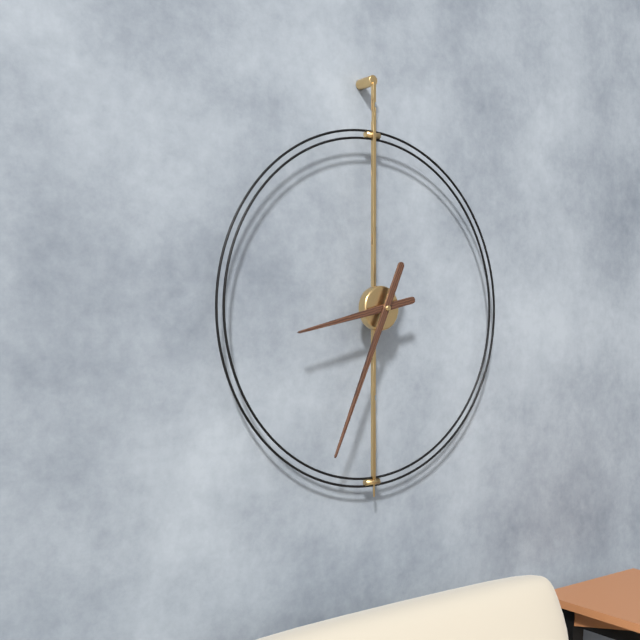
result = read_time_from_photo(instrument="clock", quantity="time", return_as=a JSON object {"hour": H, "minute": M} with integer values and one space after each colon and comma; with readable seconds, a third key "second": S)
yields {"hour": 8, "minute": 34}
